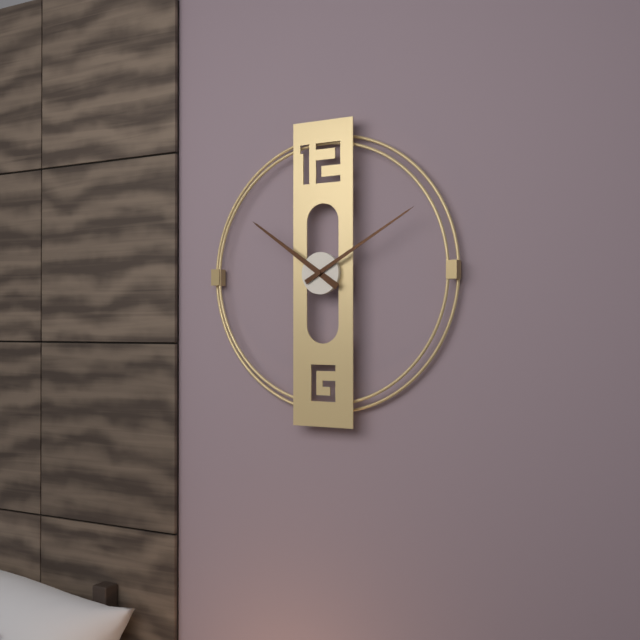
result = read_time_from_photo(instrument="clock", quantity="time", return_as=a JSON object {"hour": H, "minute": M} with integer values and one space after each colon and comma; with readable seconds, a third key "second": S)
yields {"hour": 10, "minute": 10}
